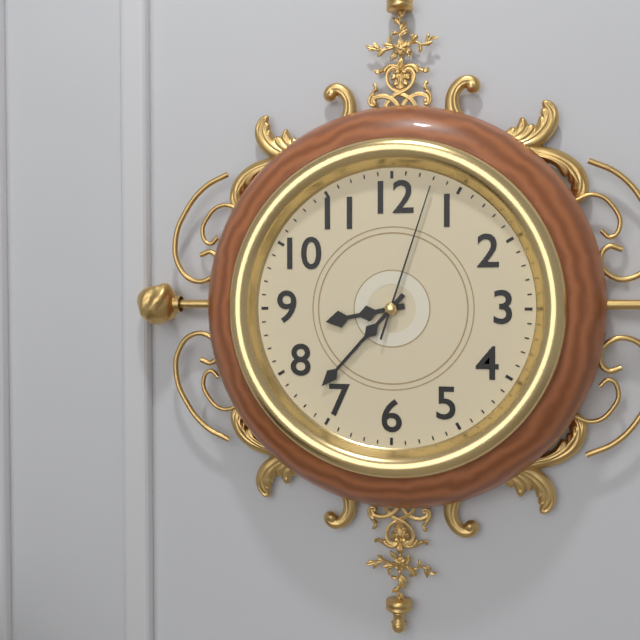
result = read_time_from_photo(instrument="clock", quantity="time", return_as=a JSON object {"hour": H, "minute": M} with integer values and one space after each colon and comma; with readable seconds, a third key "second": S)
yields {"hour": 8, "minute": 37, "second": 3}
